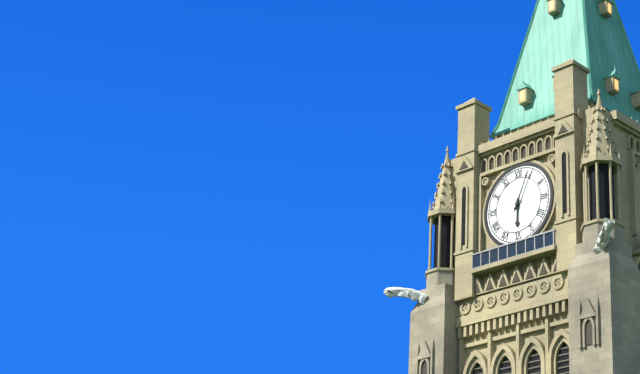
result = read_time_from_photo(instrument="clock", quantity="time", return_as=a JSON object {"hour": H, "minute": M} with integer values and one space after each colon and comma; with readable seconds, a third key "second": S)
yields {"hour": 6, "minute": 4}
